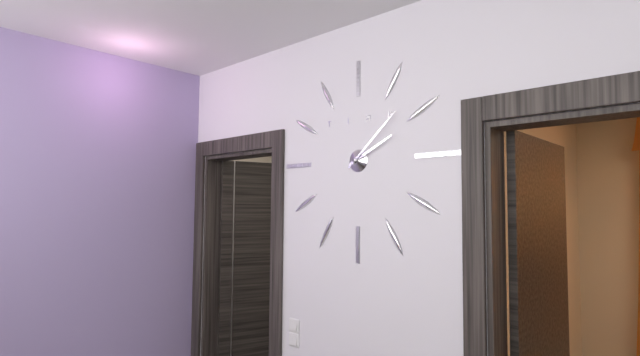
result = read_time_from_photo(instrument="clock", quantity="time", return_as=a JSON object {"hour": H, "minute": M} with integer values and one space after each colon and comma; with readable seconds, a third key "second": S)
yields {"hour": 2, "minute": 8}
